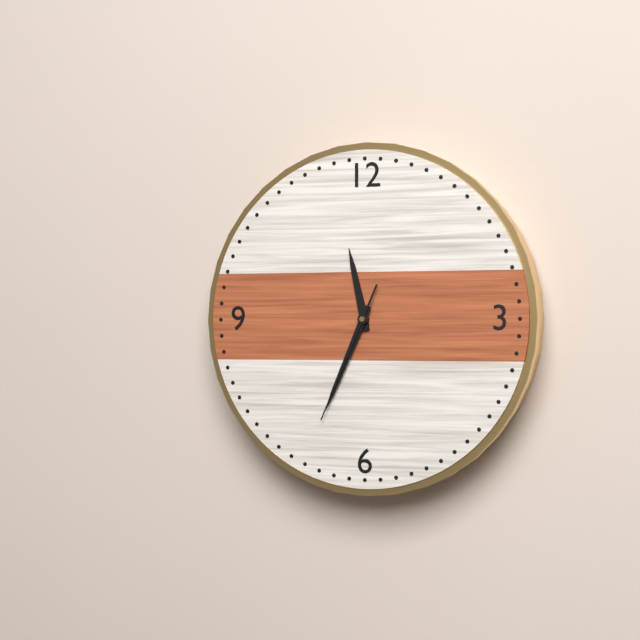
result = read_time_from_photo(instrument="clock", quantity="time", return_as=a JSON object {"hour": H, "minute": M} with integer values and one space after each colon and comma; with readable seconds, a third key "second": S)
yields {"hour": 11, "minute": 34, "second": 34}
